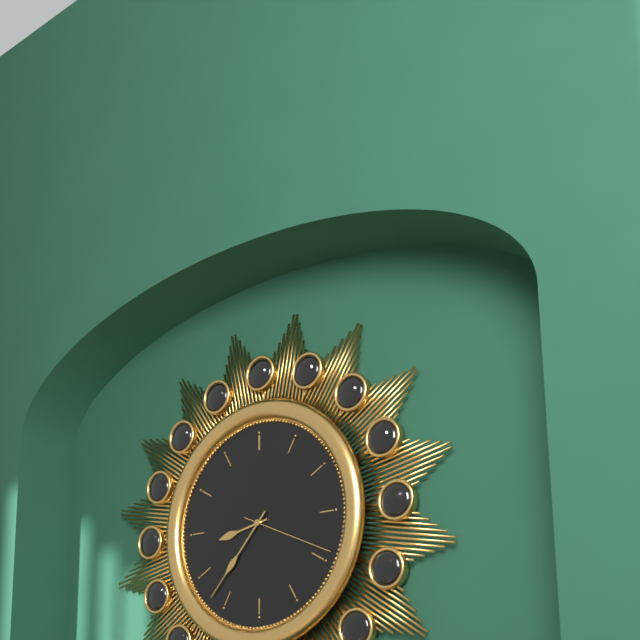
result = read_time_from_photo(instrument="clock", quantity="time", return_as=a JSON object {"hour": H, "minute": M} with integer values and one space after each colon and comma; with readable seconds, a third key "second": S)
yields {"hour": 8, "minute": 37, "second": 19}
